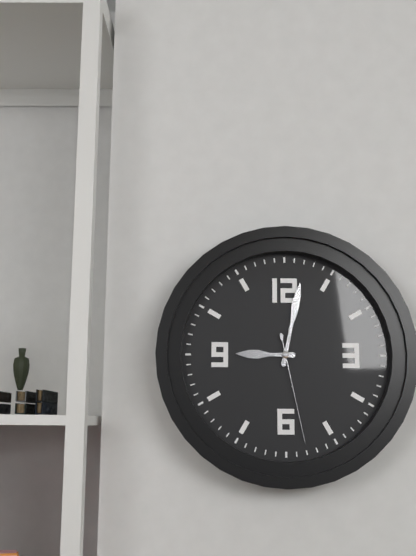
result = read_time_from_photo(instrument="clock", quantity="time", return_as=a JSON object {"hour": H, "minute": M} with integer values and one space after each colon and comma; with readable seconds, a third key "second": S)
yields {"hour": 9, "minute": 2, "second": 28}
